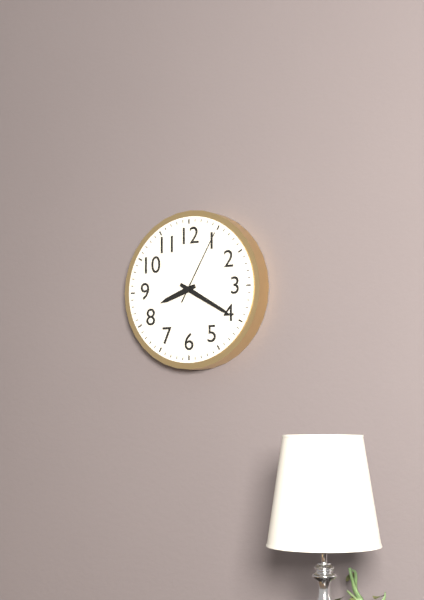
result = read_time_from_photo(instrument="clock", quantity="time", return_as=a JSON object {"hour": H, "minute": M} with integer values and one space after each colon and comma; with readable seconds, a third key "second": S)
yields {"hour": 8, "minute": 20, "second": 5}
